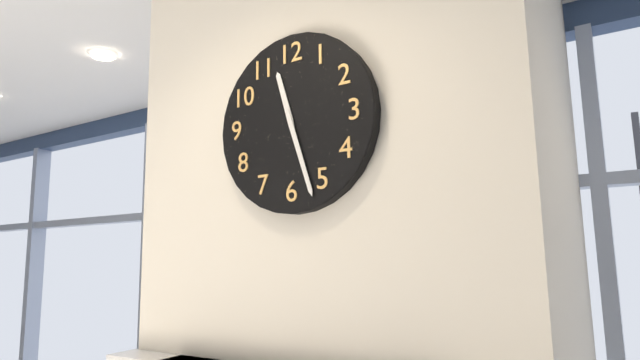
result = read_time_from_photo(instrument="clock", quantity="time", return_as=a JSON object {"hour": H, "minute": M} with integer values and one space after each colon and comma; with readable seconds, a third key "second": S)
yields {"hour": 11, "minute": 27}
